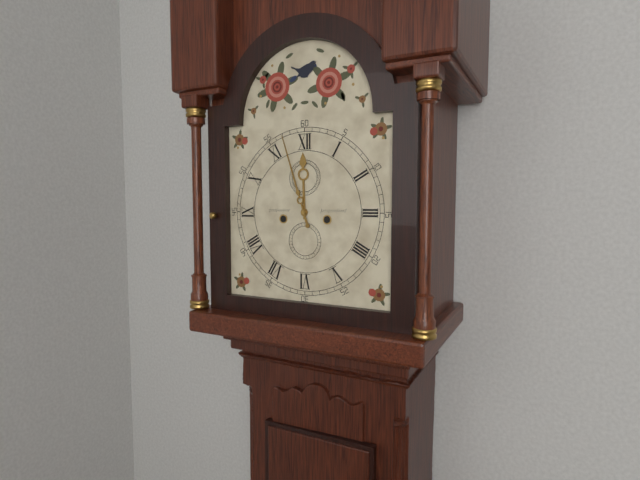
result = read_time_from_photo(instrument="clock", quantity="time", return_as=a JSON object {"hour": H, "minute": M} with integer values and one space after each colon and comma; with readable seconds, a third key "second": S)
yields {"hour": 11, "minute": 57}
